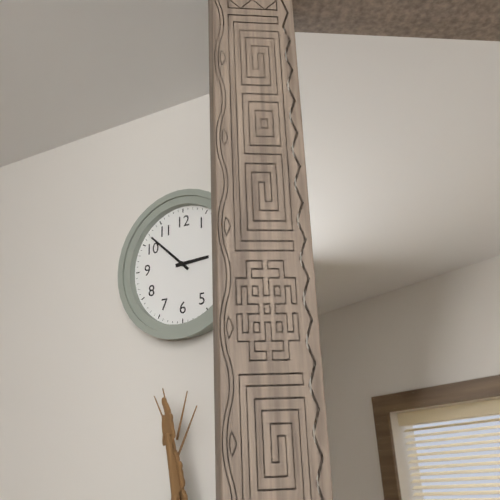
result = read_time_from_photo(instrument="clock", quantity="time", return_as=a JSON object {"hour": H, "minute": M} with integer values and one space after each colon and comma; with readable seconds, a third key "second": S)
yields {"hour": 2, "minute": 52}
